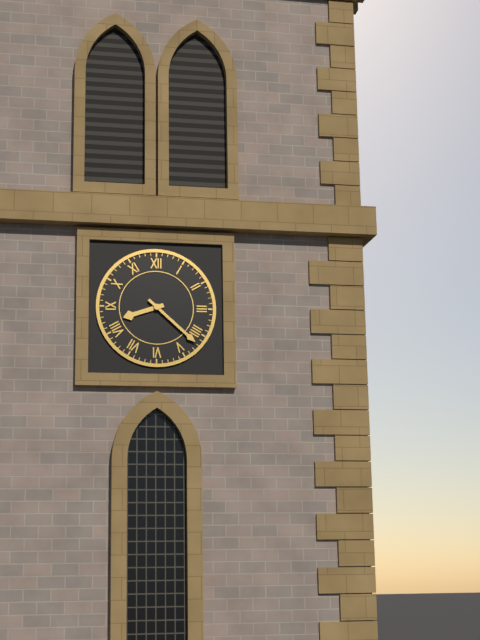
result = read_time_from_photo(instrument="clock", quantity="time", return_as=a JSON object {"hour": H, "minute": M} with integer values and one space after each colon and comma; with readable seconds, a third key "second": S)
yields {"hour": 8, "minute": 22}
